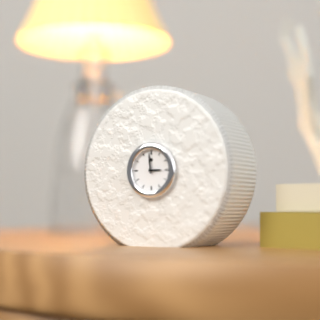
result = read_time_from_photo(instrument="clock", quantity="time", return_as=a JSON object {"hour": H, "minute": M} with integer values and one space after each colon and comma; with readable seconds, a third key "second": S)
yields {"hour": 2, "minute": 59}
